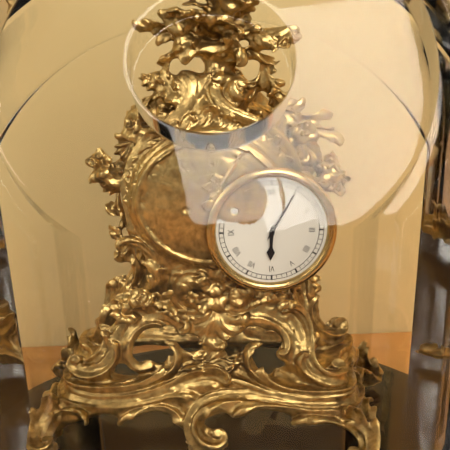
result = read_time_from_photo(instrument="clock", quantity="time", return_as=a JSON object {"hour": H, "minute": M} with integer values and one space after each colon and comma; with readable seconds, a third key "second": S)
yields {"hour": 6, "minute": 5}
